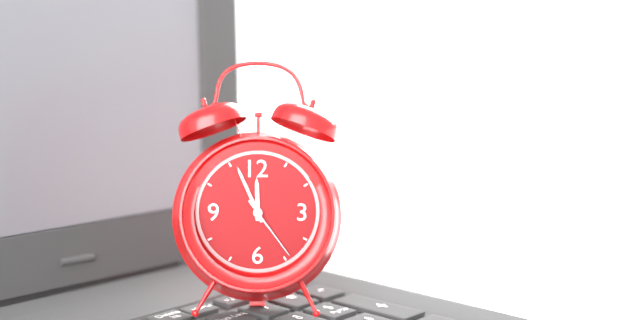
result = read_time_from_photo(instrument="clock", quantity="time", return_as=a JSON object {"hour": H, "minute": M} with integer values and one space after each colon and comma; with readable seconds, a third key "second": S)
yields {"hour": 11, "minute": 56, "second": 24}
